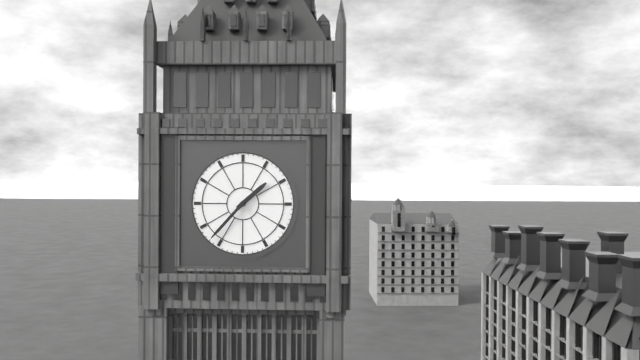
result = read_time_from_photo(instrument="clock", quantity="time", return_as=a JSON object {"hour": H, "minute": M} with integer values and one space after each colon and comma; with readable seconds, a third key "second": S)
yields {"hour": 1, "minute": 37}
